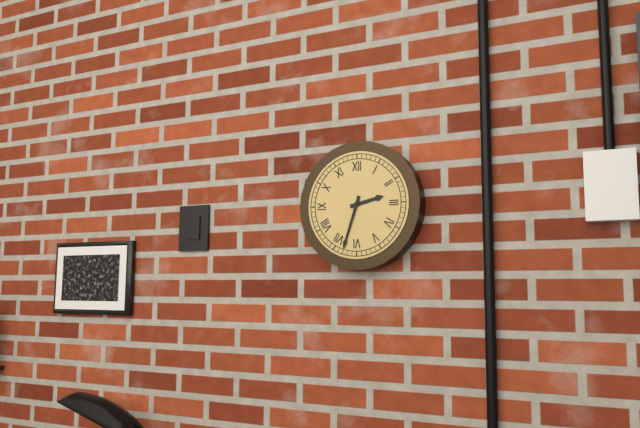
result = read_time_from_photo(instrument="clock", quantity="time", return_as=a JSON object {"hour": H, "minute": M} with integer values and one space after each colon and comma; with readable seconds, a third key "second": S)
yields {"hour": 2, "minute": 33}
